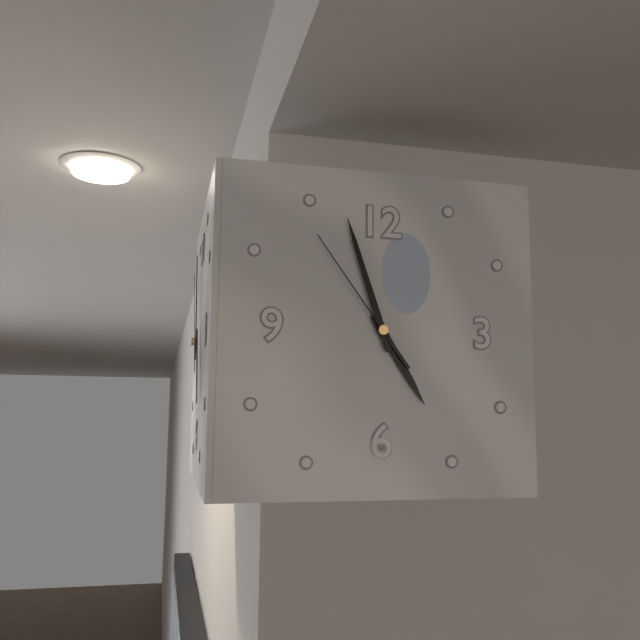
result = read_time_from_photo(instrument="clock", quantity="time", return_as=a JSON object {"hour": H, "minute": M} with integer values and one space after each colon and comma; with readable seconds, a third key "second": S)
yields {"hour": 4, "minute": 57, "second": 54}
